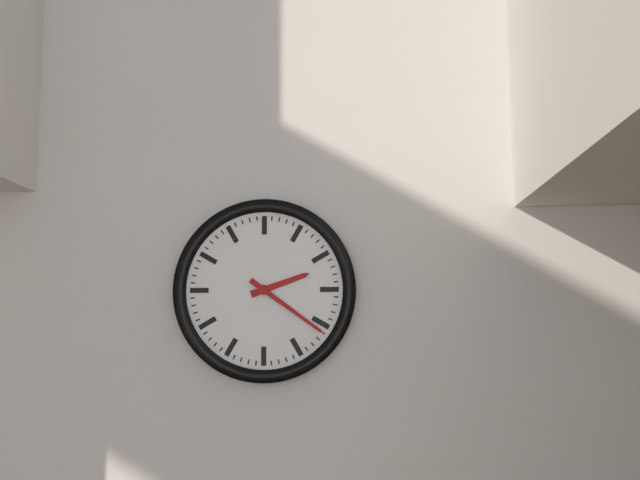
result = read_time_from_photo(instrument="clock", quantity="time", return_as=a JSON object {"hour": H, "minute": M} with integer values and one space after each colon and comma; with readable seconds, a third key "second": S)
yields {"hour": 2, "minute": 21}
